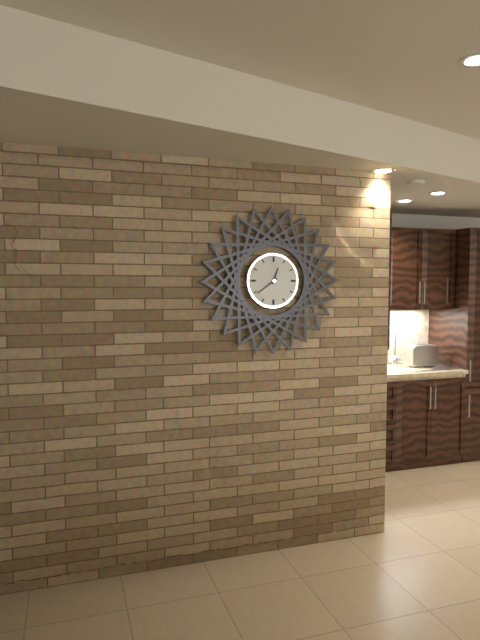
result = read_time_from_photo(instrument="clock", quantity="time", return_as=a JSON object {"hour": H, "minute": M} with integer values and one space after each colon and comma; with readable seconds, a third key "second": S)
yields {"hour": 12, "minute": 39}
